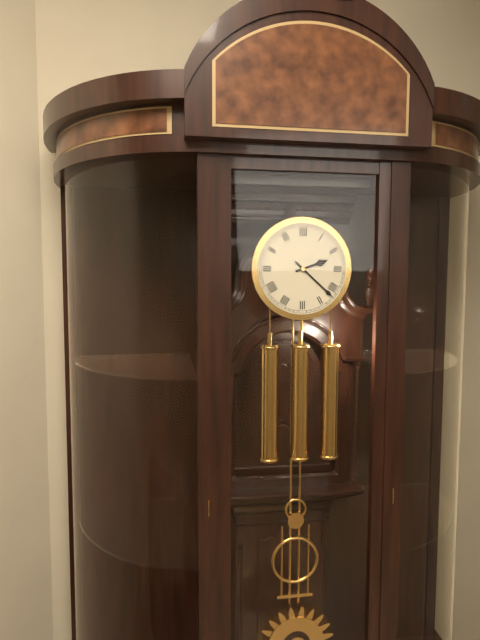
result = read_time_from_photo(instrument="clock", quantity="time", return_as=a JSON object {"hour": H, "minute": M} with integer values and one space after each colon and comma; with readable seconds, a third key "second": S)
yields {"hour": 2, "minute": 22}
